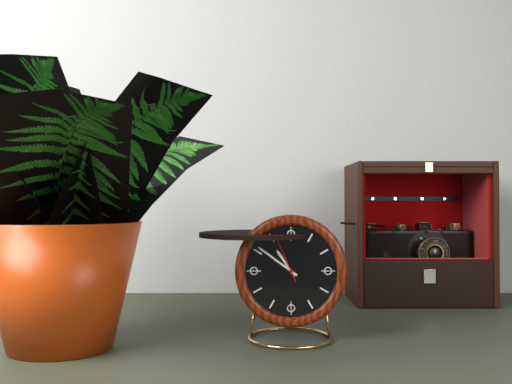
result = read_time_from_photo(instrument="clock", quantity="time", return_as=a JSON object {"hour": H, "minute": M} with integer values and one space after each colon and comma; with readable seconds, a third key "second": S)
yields {"hour": 10, "minute": 51, "second": 56}
